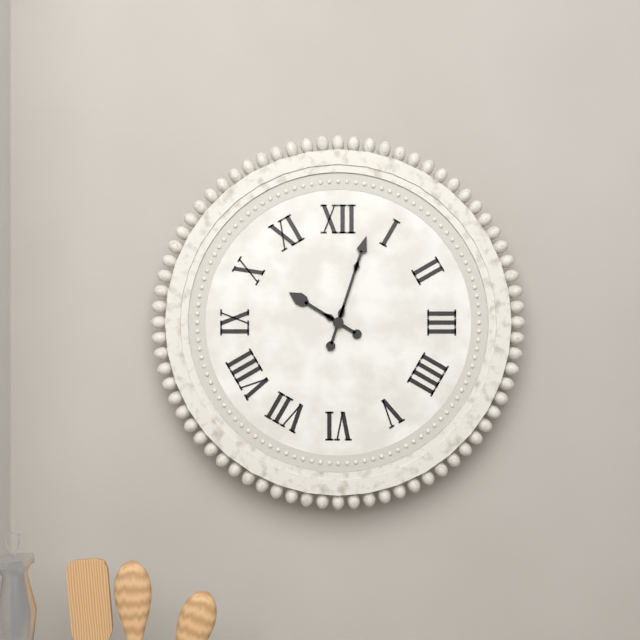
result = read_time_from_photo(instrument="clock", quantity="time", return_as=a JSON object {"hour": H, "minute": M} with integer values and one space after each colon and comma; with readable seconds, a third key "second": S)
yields {"hour": 10, "minute": 3}
